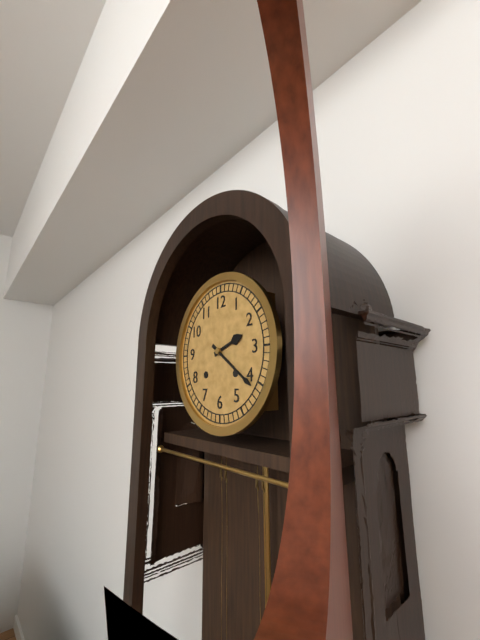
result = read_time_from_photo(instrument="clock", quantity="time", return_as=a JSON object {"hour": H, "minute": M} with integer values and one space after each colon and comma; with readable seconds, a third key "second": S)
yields {"hour": 2, "minute": 21}
